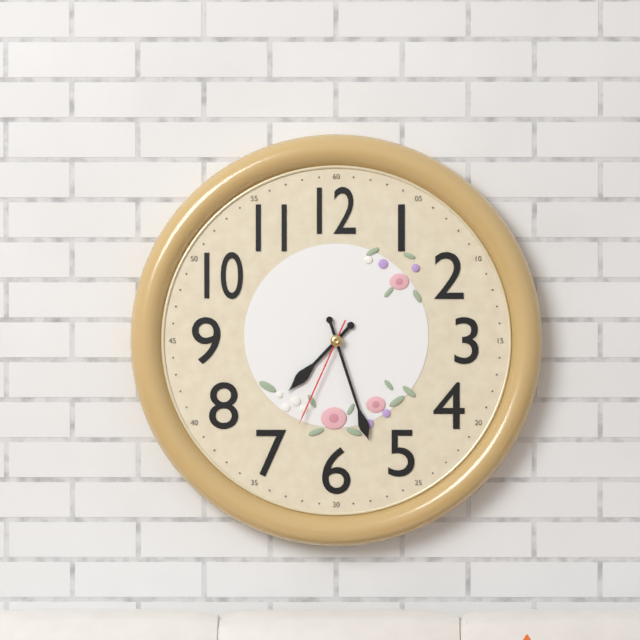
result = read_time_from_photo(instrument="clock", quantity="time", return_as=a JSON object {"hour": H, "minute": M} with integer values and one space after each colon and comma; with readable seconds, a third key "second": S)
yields {"hour": 7, "minute": 27, "second": 34}
